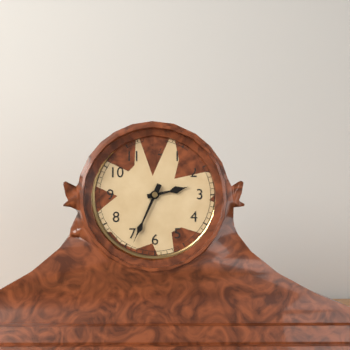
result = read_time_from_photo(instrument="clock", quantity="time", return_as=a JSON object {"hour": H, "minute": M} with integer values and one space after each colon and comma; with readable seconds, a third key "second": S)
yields {"hour": 2, "minute": 34}
